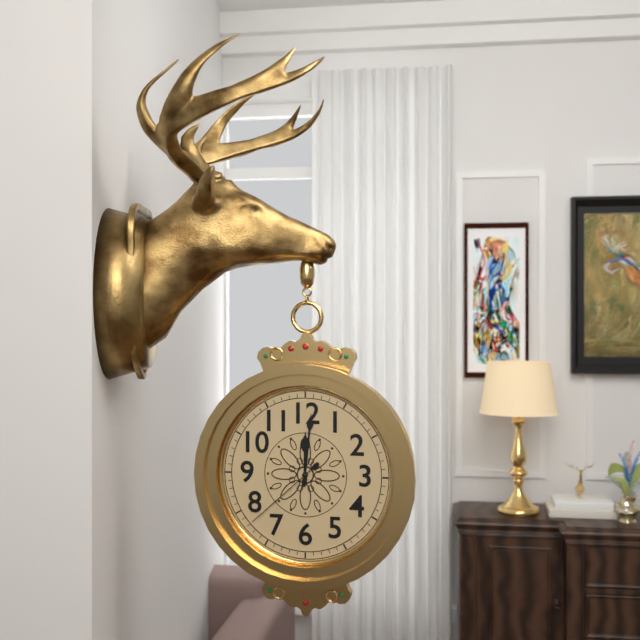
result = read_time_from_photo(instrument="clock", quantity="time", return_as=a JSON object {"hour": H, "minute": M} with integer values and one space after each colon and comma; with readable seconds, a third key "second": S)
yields {"hour": 12, "minute": 1, "second": 38}
